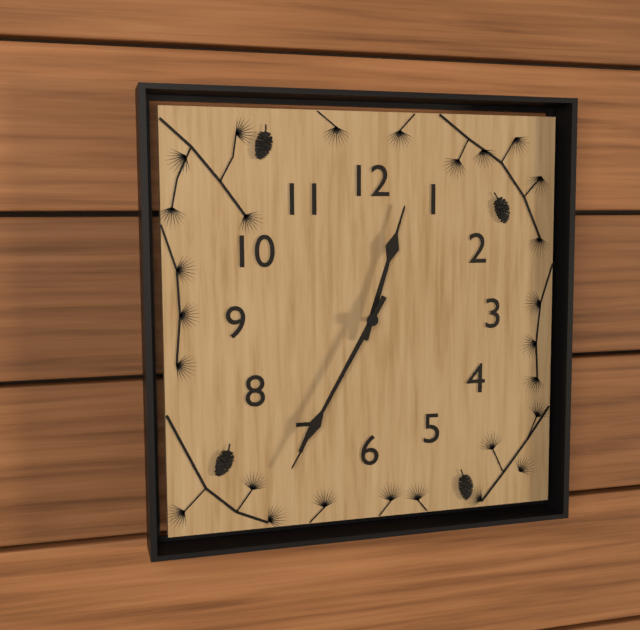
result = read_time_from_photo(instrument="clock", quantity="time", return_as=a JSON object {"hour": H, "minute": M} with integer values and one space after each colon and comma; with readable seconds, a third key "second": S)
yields {"hour": 12, "minute": 35}
